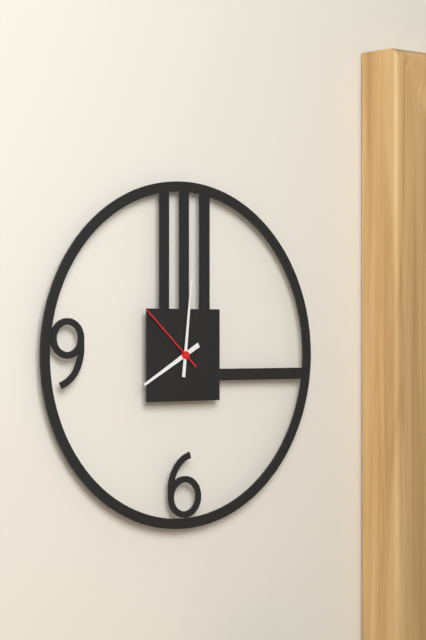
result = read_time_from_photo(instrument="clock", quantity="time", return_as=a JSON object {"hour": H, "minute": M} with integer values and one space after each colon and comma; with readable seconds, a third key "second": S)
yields {"hour": 8, "minute": 1, "second": 52}
